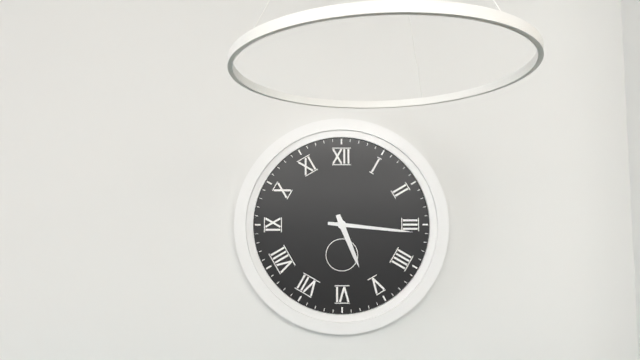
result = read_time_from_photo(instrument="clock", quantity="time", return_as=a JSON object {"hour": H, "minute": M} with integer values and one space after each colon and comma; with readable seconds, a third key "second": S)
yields {"hour": 5, "minute": 16}
